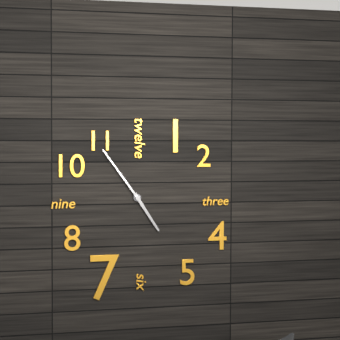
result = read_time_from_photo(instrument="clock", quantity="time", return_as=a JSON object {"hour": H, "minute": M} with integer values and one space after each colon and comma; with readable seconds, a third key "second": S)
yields {"hour": 4, "minute": 54}
